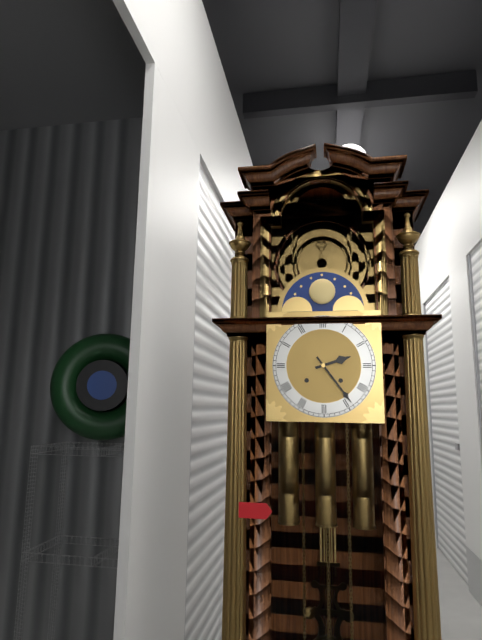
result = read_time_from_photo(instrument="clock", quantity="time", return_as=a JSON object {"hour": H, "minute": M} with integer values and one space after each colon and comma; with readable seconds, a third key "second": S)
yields {"hour": 2, "minute": 24}
